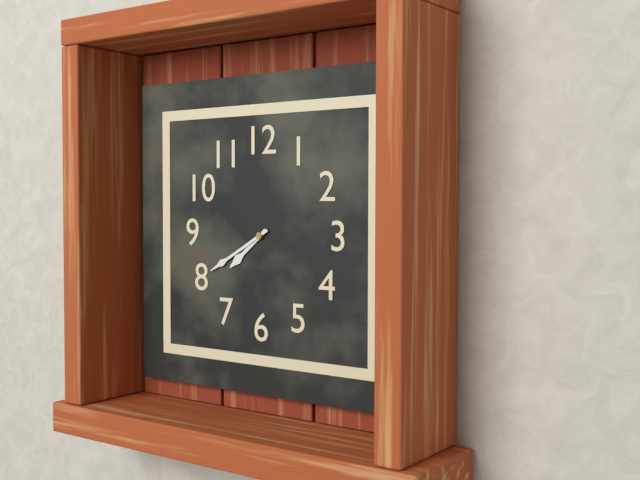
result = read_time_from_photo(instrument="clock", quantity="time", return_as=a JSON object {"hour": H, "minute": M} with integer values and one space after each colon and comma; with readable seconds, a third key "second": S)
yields {"hour": 7, "minute": 40}
